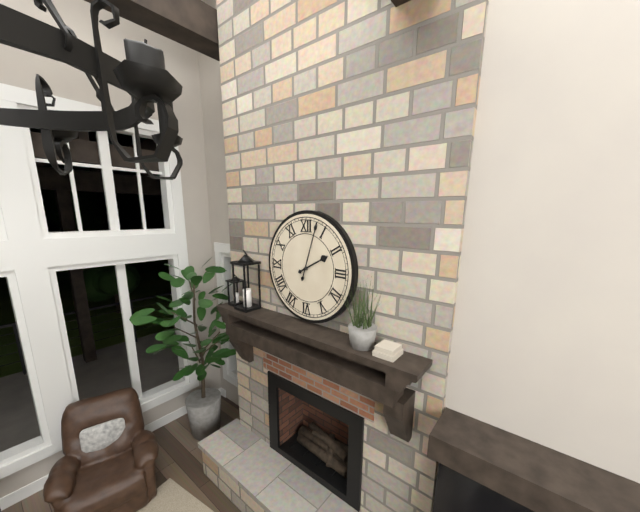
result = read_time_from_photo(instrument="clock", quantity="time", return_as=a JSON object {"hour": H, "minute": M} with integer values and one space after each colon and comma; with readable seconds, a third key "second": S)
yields {"hour": 2, "minute": 3}
